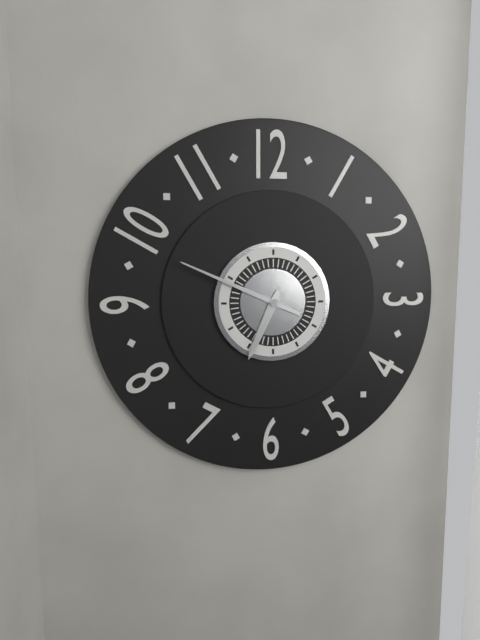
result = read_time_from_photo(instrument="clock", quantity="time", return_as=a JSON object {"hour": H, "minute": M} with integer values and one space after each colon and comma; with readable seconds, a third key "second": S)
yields {"hour": 6, "minute": 49}
